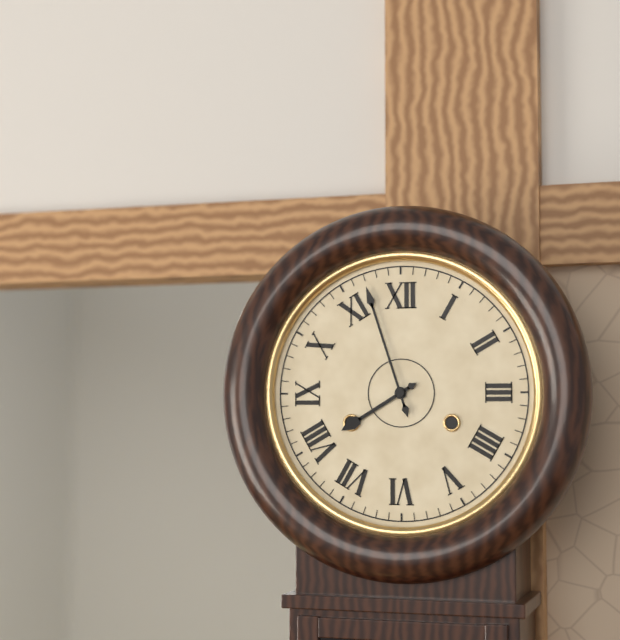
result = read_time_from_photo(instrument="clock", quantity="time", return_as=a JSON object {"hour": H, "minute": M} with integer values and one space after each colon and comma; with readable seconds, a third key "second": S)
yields {"hour": 7, "minute": 57}
